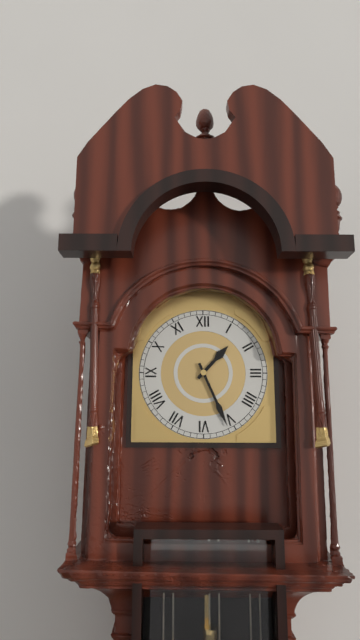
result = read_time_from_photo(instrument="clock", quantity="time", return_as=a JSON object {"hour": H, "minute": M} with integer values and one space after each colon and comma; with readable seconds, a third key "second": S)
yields {"hour": 1, "minute": 26}
